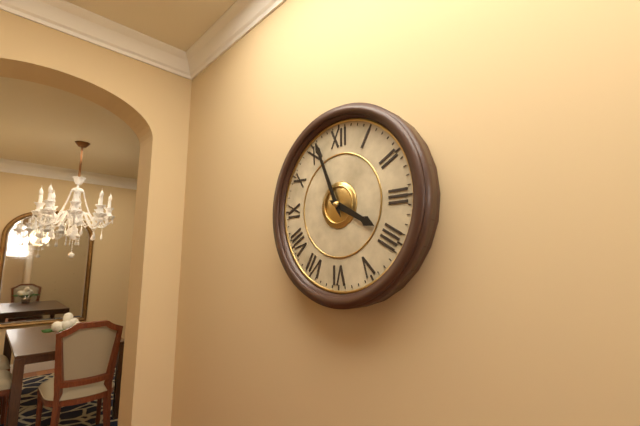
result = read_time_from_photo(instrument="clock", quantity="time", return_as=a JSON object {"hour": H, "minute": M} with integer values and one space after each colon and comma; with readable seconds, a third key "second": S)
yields {"hour": 3, "minute": 56}
